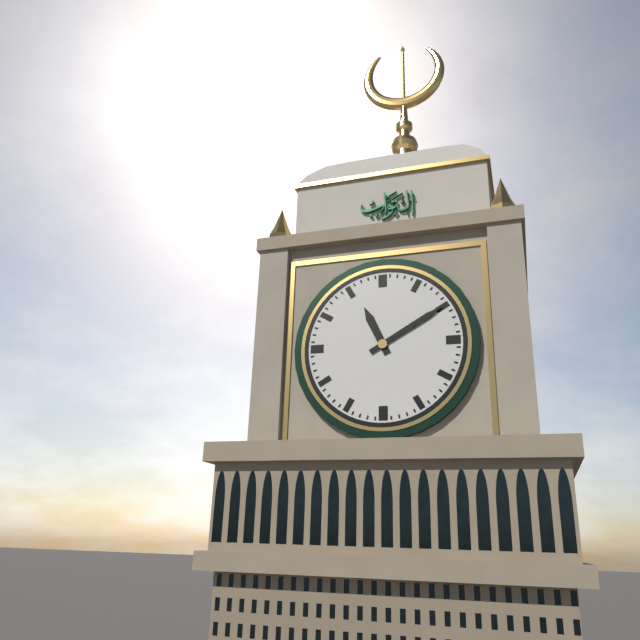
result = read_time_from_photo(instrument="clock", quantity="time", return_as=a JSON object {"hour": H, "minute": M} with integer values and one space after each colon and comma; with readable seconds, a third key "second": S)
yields {"hour": 11, "minute": 10}
